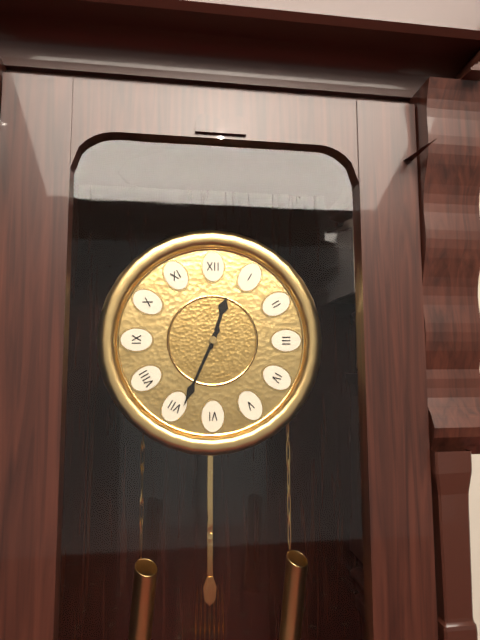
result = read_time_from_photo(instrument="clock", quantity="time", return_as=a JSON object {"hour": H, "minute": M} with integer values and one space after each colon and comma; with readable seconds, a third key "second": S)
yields {"hour": 12, "minute": 34}
